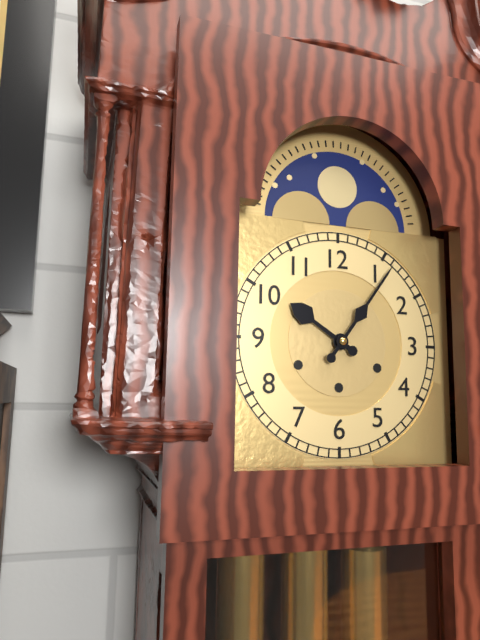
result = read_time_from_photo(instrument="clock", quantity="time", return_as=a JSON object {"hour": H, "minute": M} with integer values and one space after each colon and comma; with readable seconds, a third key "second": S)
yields {"hour": 10, "minute": 6}
